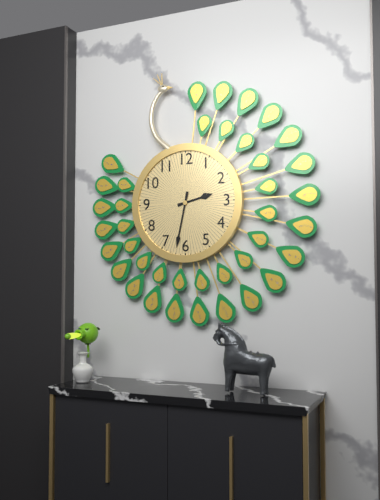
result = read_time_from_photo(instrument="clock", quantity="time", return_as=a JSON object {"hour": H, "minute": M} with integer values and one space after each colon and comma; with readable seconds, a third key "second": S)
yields {"hour": 2, "minute": 32}
